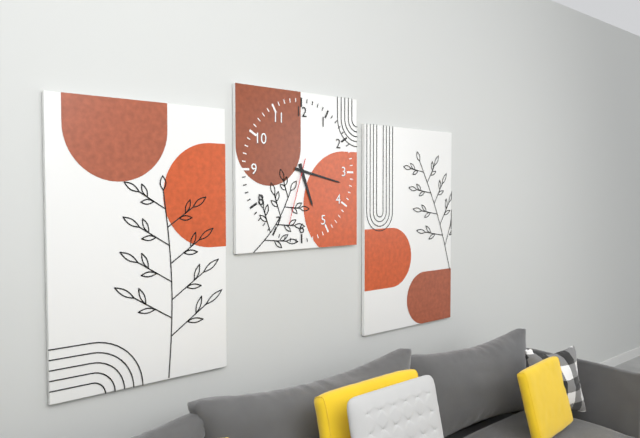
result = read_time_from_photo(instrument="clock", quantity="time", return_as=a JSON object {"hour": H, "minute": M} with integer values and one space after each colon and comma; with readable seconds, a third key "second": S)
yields {"hour": 5, "minute": 17, "second": 33}
